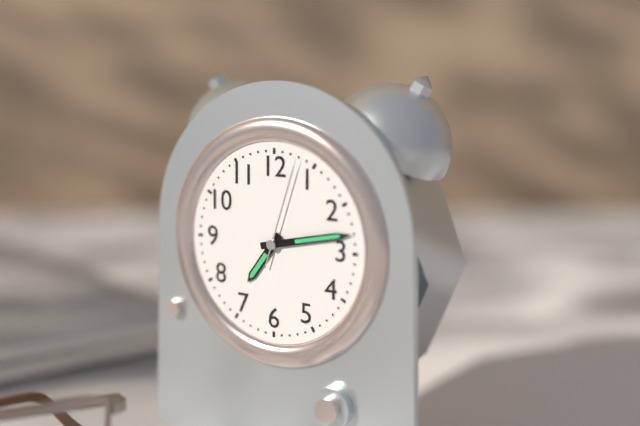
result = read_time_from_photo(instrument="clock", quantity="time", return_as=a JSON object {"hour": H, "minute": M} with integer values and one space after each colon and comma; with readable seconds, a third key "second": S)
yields {"hour": 7, "minute": 13, "second": 3}
